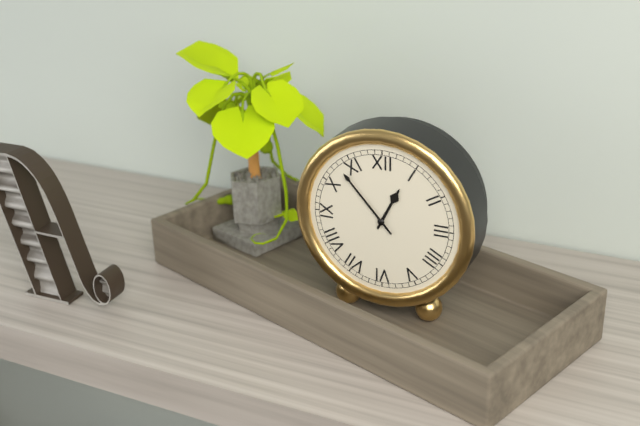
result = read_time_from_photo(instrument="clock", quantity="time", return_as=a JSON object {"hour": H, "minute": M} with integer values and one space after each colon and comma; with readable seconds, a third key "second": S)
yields {"hour": 12, "minute": 53}
